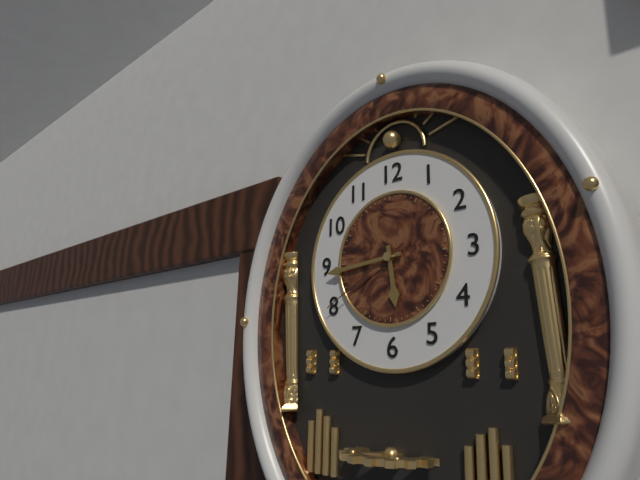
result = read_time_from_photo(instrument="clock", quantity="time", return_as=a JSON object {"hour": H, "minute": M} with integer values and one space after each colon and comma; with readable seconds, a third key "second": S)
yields {"hour": 5, "minute": 44, "second": 40}
